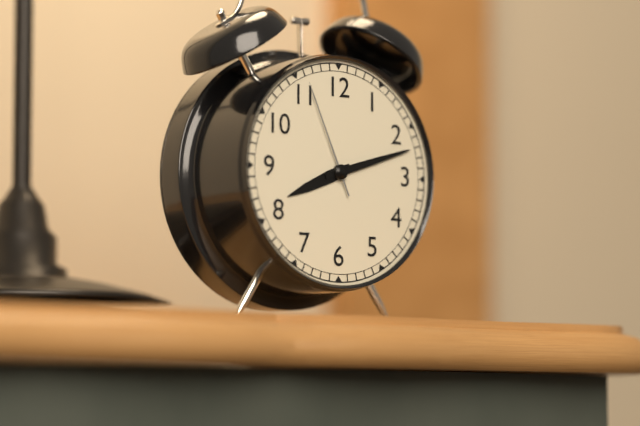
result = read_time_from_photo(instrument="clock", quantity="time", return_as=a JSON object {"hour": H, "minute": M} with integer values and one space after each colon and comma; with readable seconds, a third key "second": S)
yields {"hour": 8, "minute": 12, "second": 56}
